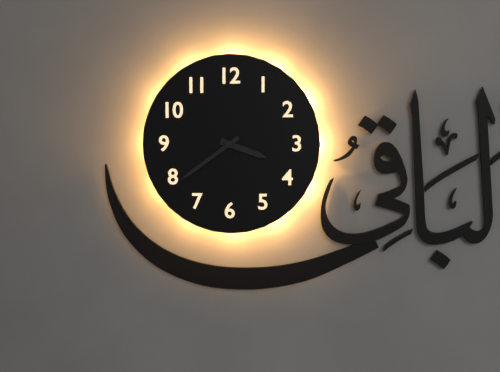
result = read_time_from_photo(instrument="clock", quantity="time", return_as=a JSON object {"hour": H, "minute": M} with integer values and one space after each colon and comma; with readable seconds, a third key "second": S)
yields {"hour": 3, "minute": 39}
